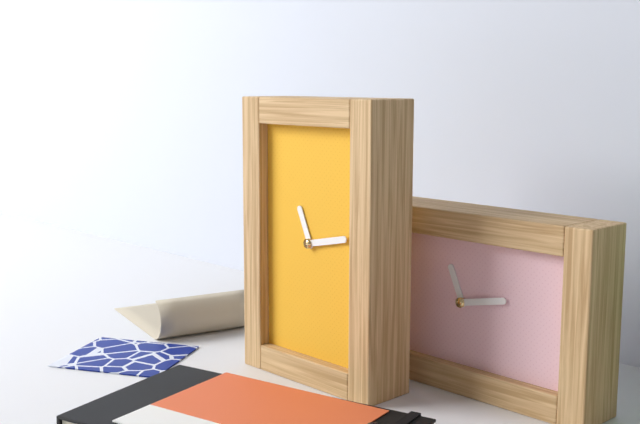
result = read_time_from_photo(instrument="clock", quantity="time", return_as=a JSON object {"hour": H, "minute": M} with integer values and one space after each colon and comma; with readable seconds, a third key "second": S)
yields {"hour": 11, "minute": 13}
